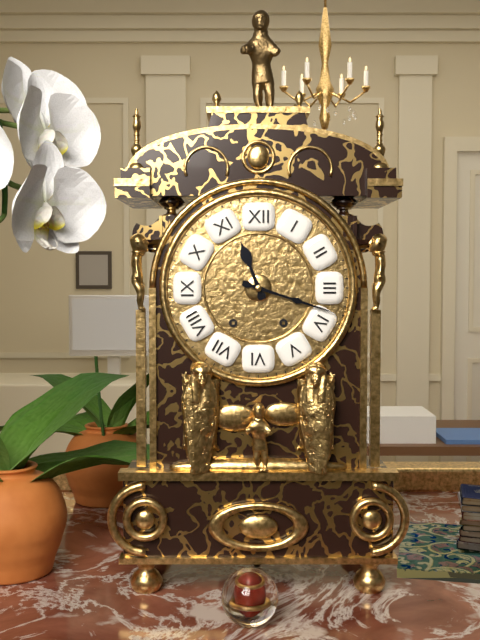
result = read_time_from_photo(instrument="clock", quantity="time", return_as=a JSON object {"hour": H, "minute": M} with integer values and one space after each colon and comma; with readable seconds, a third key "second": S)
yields {"hour": 11, "minute": 18}
